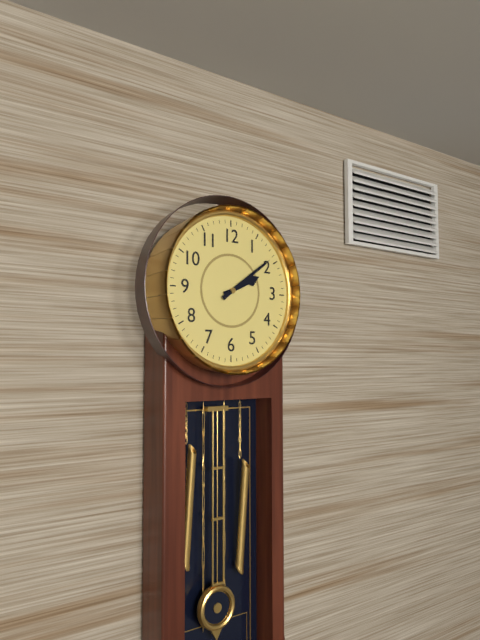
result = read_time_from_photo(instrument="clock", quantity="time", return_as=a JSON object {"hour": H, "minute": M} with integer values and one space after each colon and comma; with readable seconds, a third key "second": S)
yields {"hour": 2, "minute": 9}
